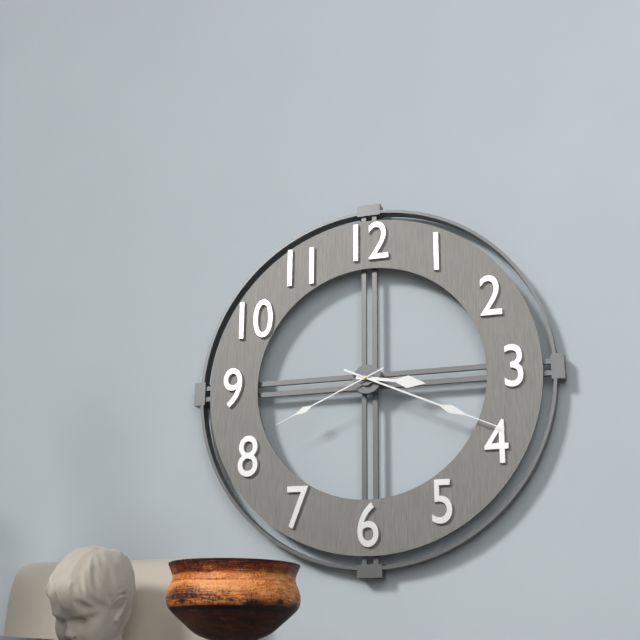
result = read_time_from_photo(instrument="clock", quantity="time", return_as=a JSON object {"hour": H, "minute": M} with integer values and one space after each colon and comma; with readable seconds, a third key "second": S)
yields {"hour": 3, "minute": 19, "second": 41}
